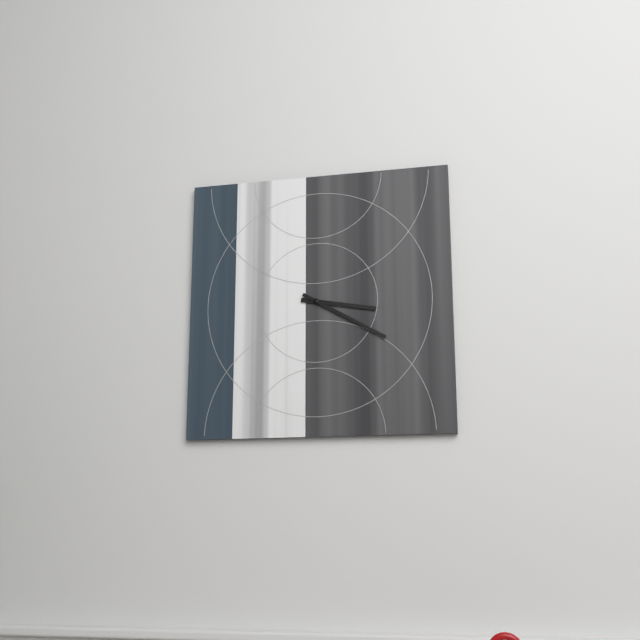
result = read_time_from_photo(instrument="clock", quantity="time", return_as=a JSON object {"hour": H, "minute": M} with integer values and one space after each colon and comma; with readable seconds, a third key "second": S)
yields {"hour": 3, "minute": 20}
